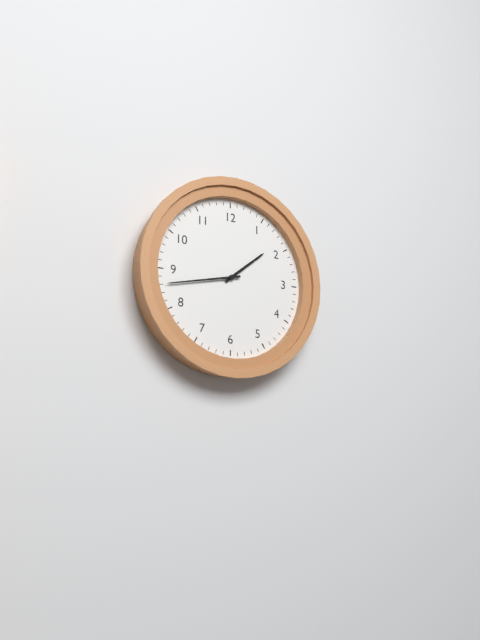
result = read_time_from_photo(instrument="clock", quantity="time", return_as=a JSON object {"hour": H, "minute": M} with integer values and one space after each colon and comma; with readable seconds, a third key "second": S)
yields {"hour": 1, "minute": 43}
